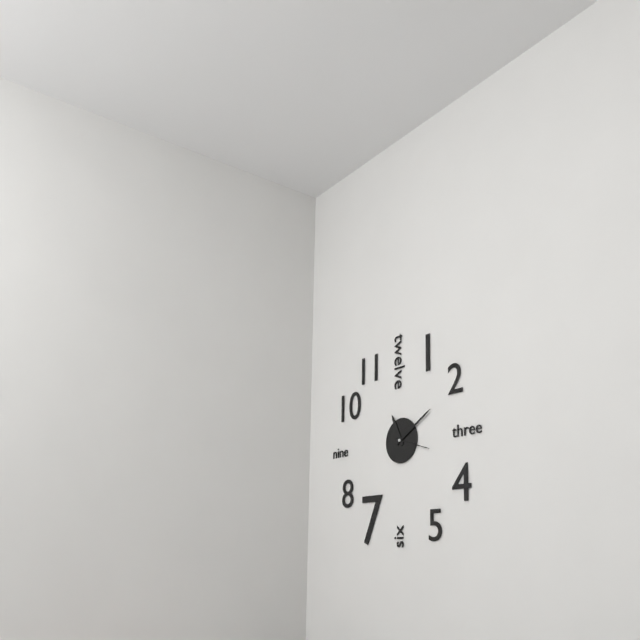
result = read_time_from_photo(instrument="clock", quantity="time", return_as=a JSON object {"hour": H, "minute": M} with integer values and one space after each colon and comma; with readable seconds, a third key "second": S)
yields {"hour": 11, "minute": 10}
